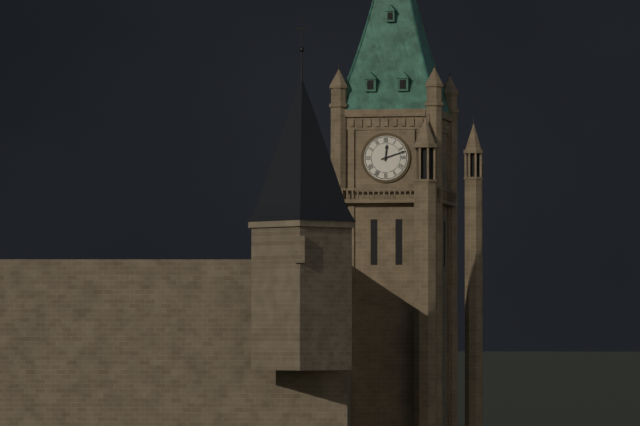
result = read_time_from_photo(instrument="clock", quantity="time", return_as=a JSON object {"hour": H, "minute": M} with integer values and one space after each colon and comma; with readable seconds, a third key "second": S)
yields {"hour": 12, "minute": 12}
